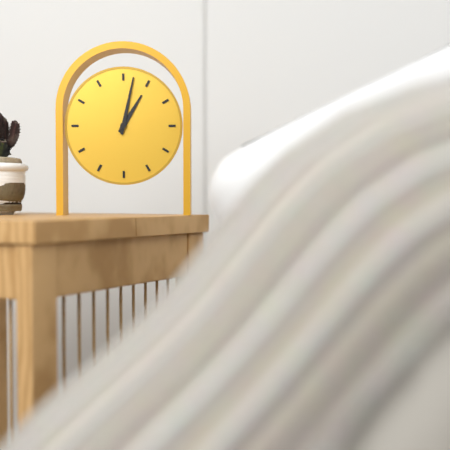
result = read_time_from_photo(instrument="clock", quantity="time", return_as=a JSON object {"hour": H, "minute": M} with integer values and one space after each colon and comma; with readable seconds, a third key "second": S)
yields {"hour": 1, "minute": 2}
